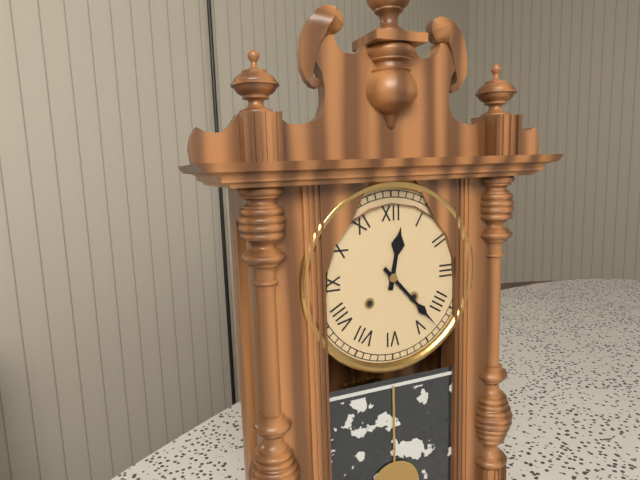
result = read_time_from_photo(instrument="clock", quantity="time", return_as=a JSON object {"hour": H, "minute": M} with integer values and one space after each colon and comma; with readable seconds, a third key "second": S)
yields {"hour": 12, "minute": 23}
